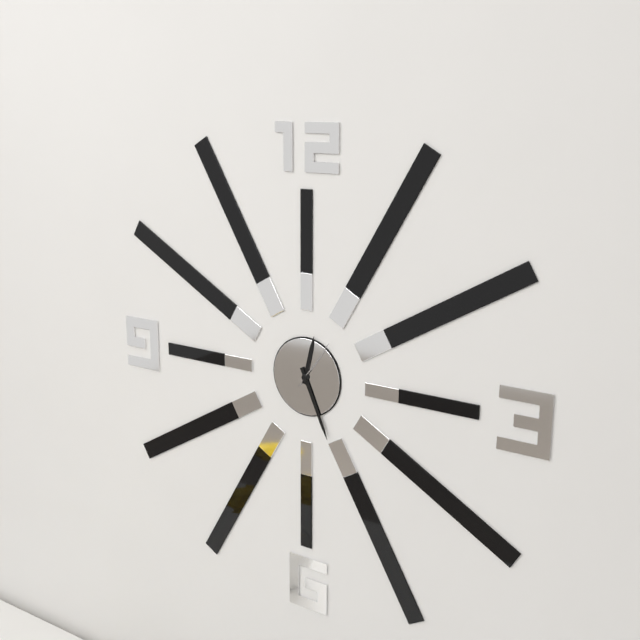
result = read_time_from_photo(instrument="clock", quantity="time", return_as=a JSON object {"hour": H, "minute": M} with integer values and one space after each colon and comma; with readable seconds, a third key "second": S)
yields {"hour": 12, "minute": 26, "second": 6}
